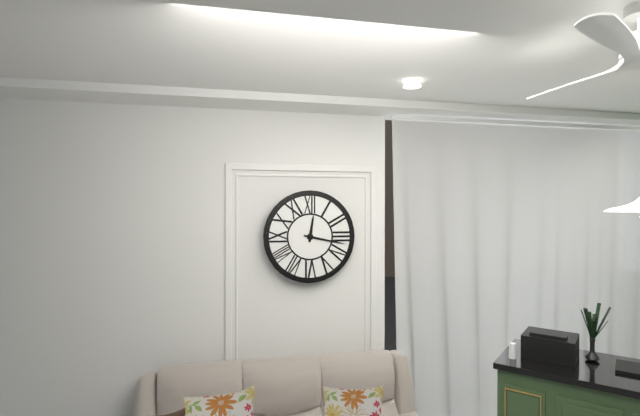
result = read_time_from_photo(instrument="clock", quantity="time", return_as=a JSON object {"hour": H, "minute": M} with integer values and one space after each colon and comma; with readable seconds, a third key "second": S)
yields {"hour": 12, "minute": 17}
